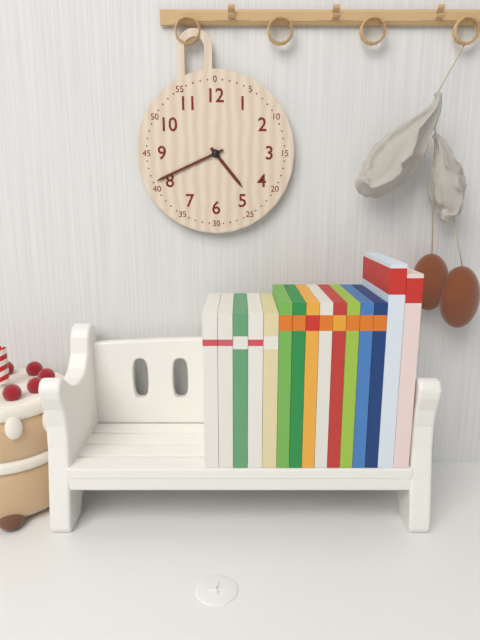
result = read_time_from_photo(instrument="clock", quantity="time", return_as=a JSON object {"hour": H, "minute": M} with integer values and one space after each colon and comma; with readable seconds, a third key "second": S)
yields {"hour": 4, "minute": 41}
